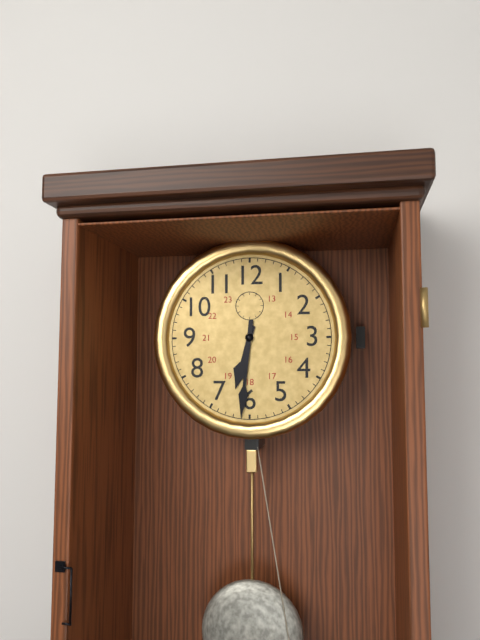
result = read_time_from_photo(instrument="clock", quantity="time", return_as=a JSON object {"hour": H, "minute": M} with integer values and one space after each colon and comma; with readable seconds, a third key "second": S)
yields {"hour": 6, "minute": 31}
